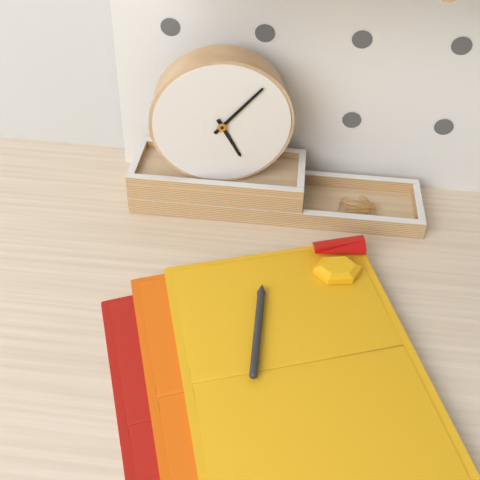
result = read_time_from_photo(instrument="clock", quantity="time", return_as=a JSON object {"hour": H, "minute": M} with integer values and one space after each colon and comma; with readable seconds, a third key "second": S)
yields {"hour": 5, "minute": 7}
